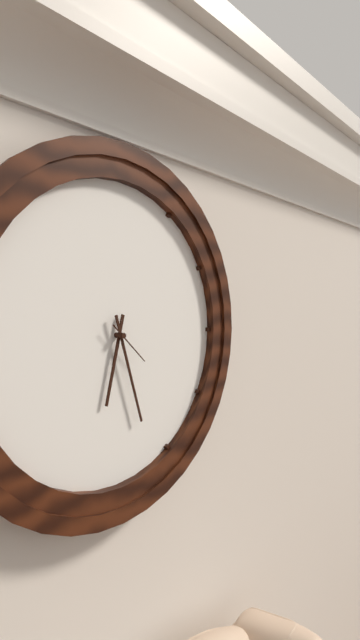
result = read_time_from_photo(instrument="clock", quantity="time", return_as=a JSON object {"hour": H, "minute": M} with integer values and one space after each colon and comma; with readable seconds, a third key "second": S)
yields {"hour": 6, "minute": 27}
